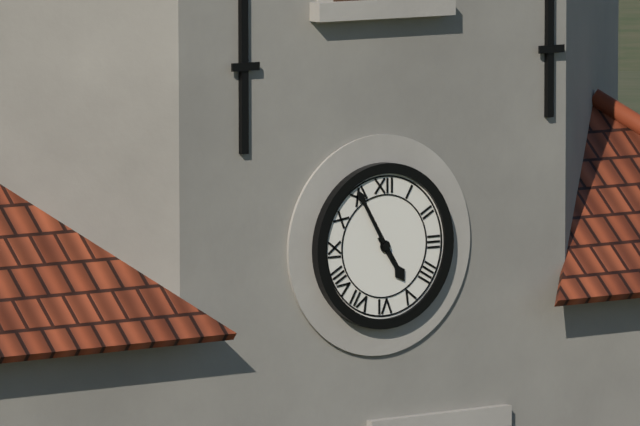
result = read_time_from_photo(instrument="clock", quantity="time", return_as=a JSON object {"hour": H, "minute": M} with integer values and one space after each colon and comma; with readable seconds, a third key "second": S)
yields {"hour": 4, "minute": 55}
